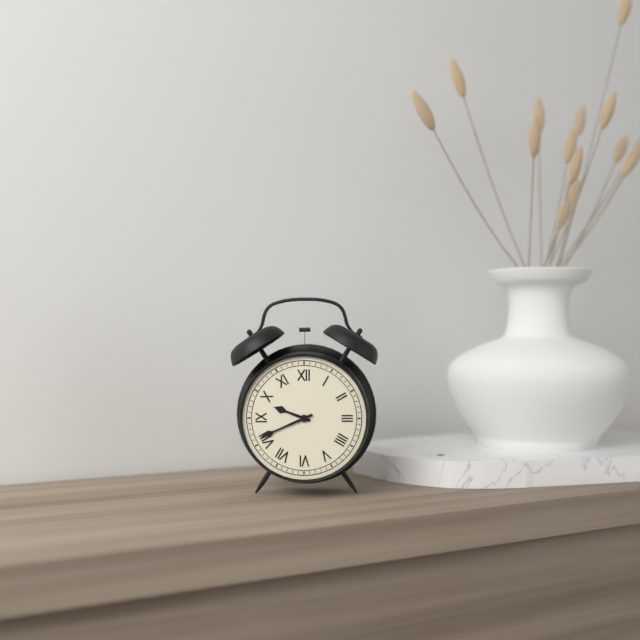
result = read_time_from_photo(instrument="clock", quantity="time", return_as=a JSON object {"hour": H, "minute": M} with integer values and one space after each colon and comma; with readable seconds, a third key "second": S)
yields {"hour": 9, "minute": 41}
